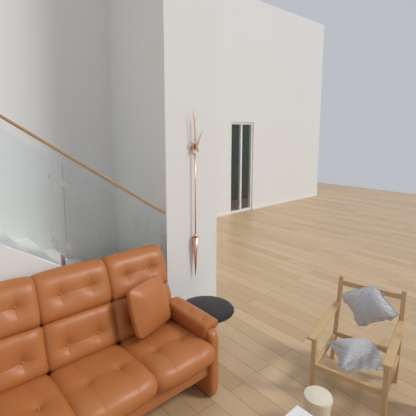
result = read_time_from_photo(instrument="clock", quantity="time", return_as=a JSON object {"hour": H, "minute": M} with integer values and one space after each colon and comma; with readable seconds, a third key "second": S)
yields {"hour": 12, "minute": 59}
